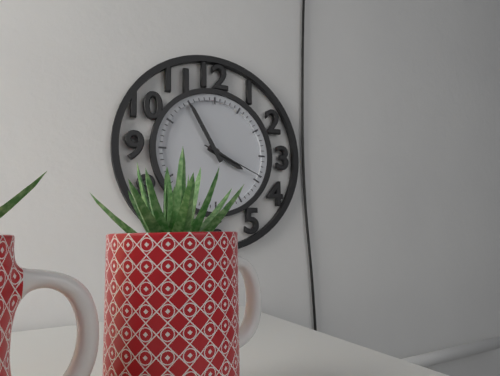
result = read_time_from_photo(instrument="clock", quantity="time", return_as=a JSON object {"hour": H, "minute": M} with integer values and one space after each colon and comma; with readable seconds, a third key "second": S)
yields {"hour": 3, "minute": 55, "second": 19}
